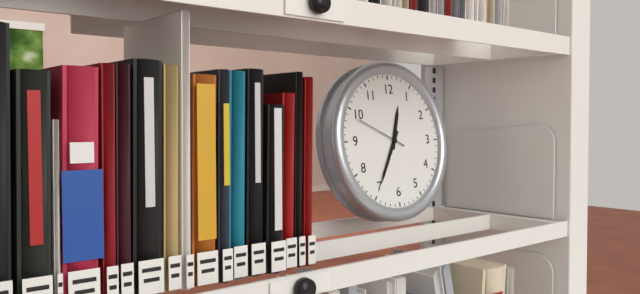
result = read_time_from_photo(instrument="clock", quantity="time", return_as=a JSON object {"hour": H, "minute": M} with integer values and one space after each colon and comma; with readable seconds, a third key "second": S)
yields {"hour": 12, "minute": 35, "second": 49}
